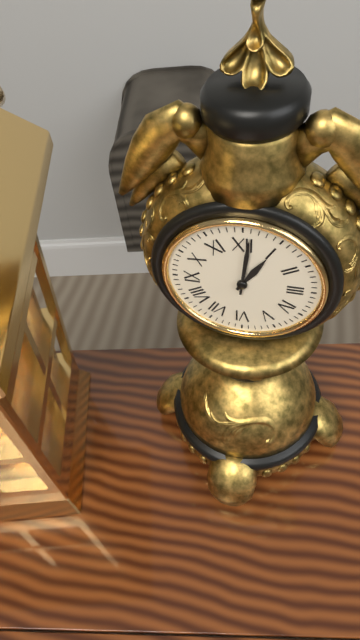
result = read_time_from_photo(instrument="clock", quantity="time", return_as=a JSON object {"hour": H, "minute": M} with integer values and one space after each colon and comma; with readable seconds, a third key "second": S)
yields {"hour": 1, "minute": 1}
